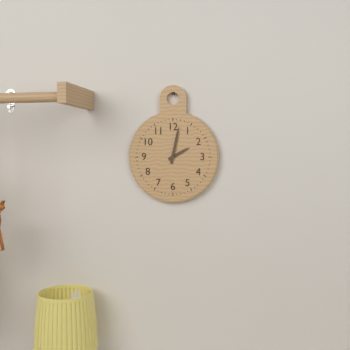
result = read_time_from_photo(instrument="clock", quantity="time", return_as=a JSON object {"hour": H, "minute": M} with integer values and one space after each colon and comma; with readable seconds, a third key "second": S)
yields {"hour": 2, "minute": 2}
